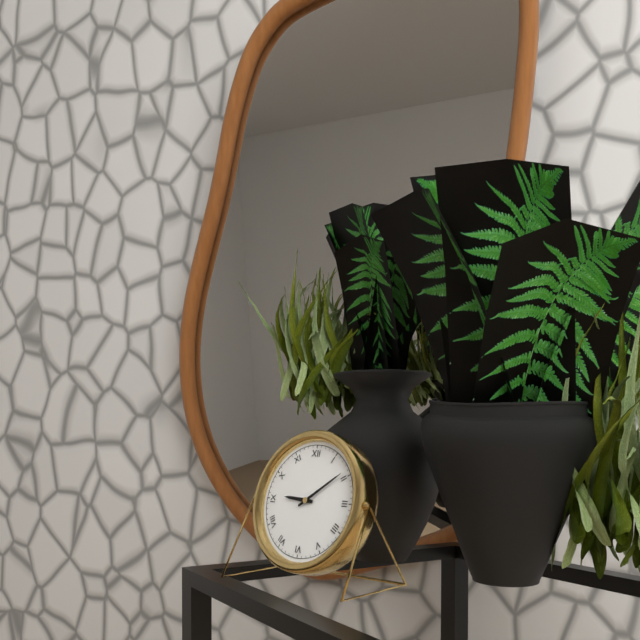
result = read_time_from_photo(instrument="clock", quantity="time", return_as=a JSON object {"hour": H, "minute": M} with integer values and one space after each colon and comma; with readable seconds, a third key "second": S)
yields {"hour": 9, "minute": 9}
